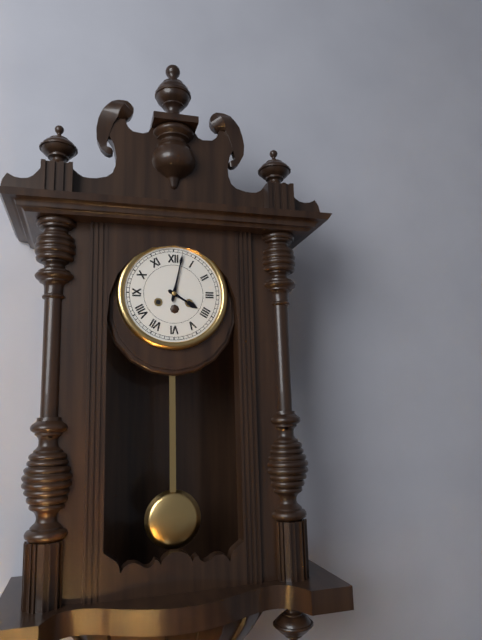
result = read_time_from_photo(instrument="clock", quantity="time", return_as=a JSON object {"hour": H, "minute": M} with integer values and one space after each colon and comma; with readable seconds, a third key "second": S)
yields {"hour": 4, "minute": 2}
